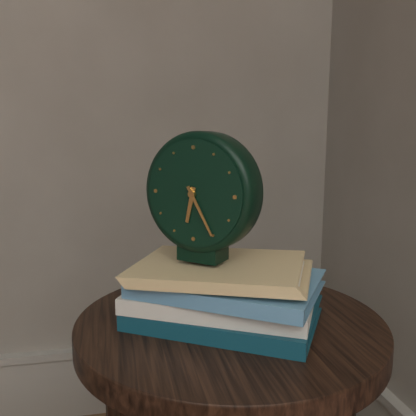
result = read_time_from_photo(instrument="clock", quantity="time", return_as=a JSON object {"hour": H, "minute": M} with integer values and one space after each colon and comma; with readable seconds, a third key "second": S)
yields {"hour": 6, "minute": 25}
